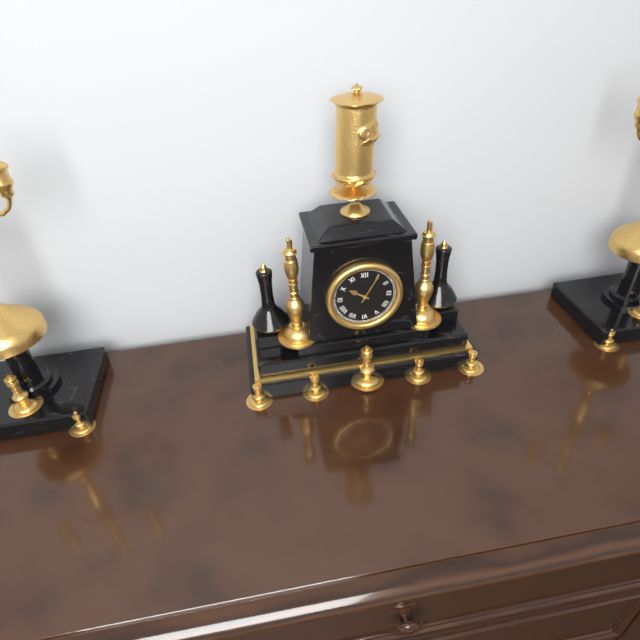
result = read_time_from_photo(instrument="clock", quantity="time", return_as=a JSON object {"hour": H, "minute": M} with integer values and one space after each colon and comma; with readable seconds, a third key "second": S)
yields {"hour": 10, "minute": 5}
